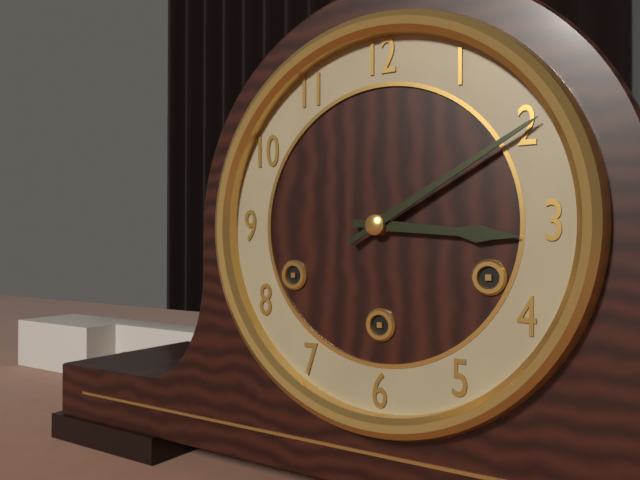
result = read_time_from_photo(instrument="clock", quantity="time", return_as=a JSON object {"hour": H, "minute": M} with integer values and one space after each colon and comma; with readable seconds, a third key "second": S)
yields {"hour": 3, "minute": 10}
